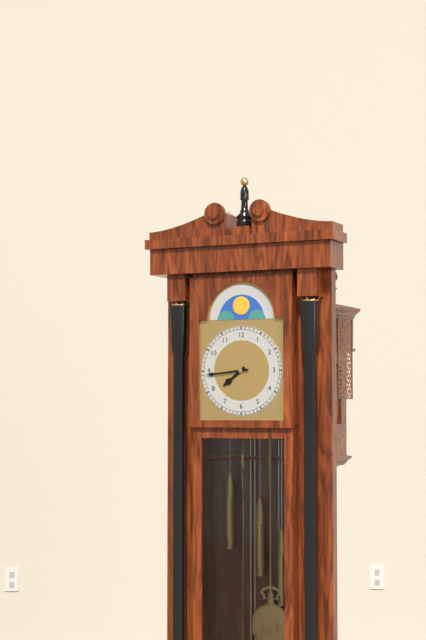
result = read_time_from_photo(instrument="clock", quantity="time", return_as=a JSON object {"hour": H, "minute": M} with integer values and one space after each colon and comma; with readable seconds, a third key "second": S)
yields {"hour": 7, "minute": 44}
